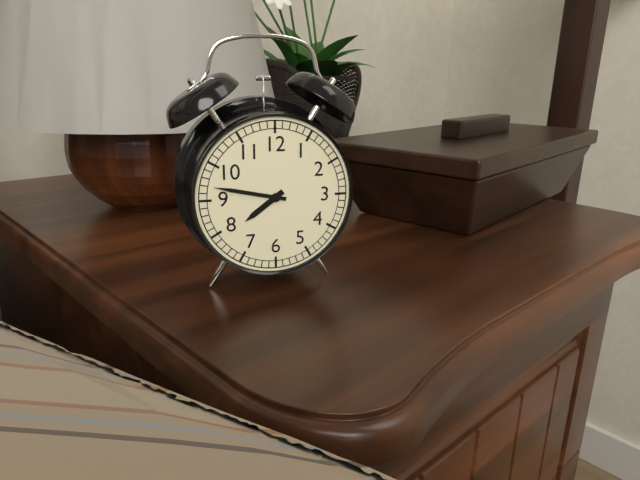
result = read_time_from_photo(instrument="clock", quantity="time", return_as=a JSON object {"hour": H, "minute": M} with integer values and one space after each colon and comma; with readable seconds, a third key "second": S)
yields {"hour": 7, "minute": 47}
